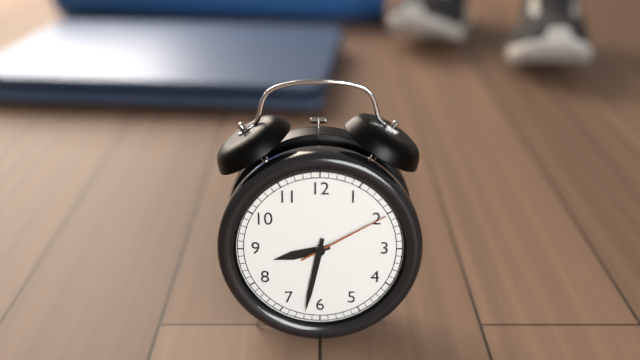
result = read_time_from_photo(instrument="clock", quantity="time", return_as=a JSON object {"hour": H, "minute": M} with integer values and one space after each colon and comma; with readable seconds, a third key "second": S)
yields {"hour": 8, "minute": 32, "second": 10}
